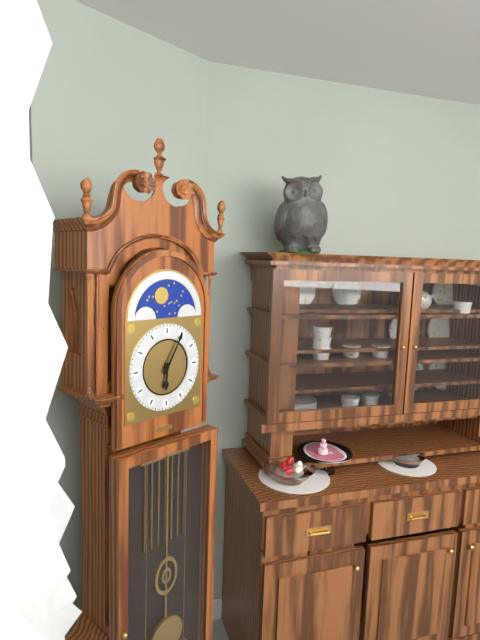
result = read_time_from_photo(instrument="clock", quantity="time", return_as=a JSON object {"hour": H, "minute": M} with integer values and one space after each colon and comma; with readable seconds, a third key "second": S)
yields {"hour": 6, "minute": 5}
